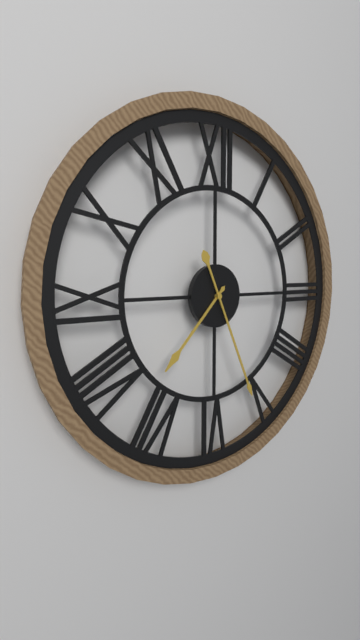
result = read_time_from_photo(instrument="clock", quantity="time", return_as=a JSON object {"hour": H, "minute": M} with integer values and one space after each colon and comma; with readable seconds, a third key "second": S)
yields {"hour": 7, "minute": 26}
